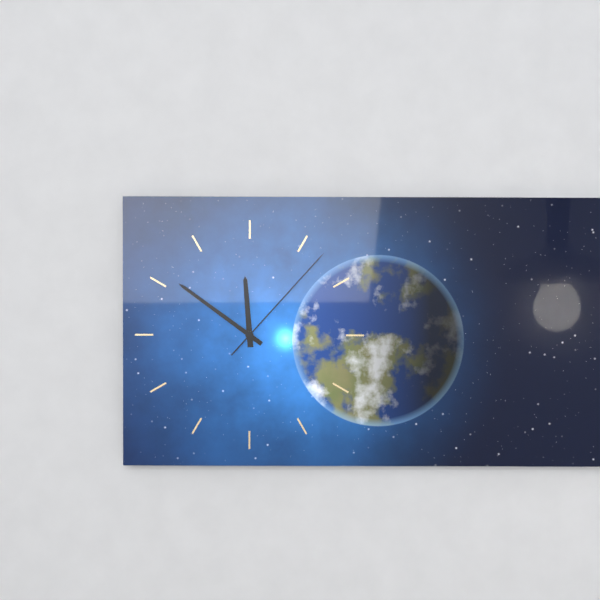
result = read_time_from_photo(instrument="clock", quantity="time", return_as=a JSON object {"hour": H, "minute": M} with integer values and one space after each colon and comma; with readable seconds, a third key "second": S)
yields {"hour": 11, "minute": 51, "second": 7}
